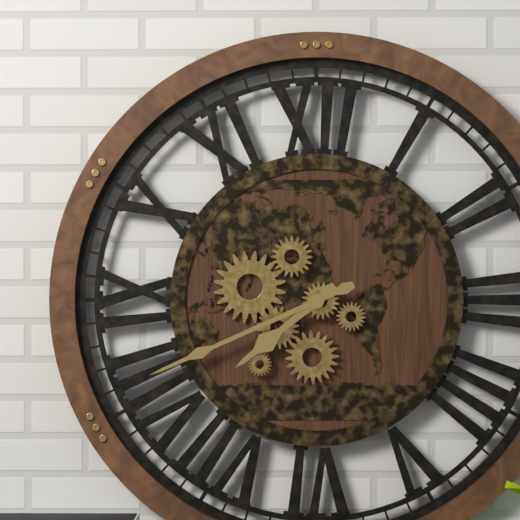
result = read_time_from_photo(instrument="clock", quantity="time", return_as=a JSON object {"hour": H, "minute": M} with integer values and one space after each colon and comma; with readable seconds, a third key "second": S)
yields {"hour": 7, "minute": 41}
